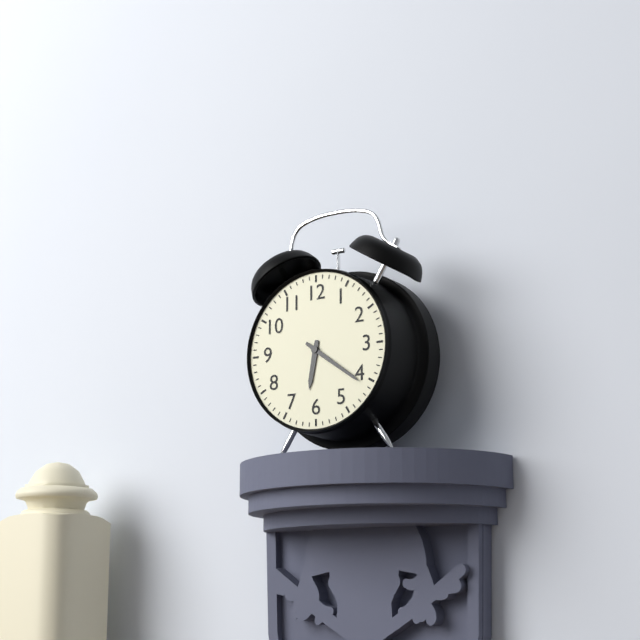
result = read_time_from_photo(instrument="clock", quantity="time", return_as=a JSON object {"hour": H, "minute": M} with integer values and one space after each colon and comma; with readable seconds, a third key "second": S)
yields {"hour": 6, "minute": 21}
